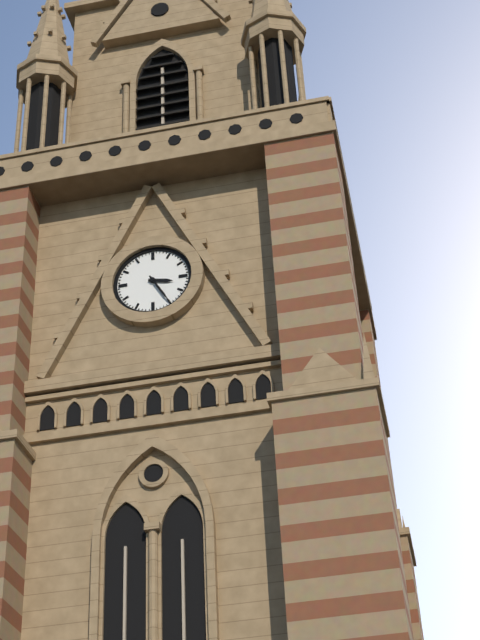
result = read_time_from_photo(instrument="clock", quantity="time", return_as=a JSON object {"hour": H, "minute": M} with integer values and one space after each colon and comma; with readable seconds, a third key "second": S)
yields {"hour": 3, "minute": 25}
